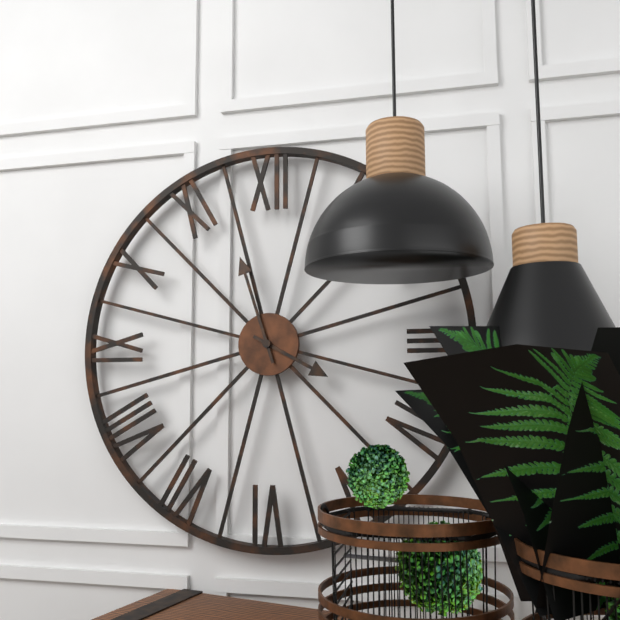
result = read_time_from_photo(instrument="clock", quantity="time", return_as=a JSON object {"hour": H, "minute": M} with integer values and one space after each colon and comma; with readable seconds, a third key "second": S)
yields {"hour": 3, "minute": 57}
